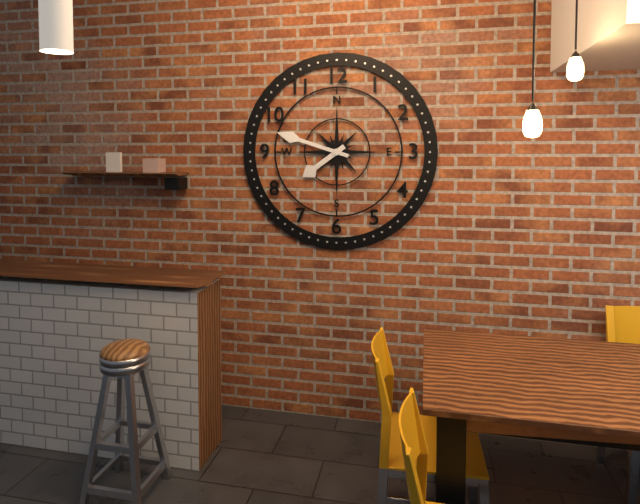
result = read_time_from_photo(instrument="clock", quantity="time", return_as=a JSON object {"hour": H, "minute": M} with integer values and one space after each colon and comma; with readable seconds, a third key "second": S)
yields {"hour": 7, "minute": 48}
